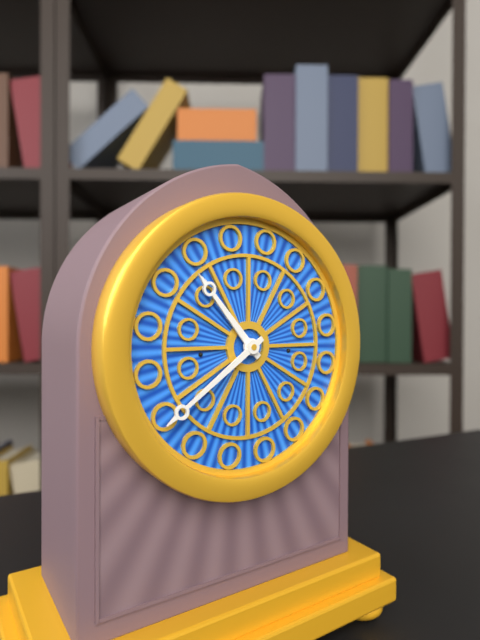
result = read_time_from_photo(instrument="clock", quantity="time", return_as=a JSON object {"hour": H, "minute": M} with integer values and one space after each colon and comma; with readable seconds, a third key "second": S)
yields {"hour": 10, "minute": 39}
